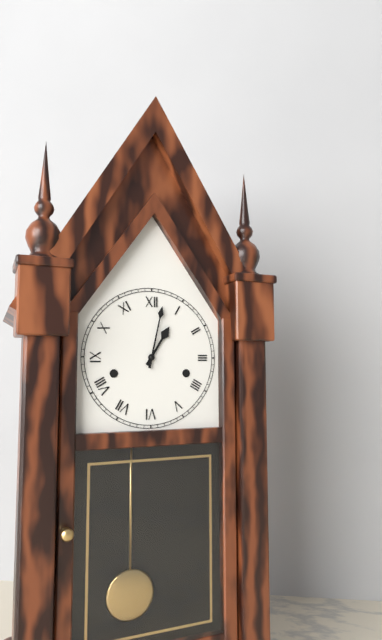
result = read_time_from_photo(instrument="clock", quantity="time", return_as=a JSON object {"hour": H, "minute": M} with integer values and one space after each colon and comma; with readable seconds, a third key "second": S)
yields {"hour": 1, "minute": 2}
